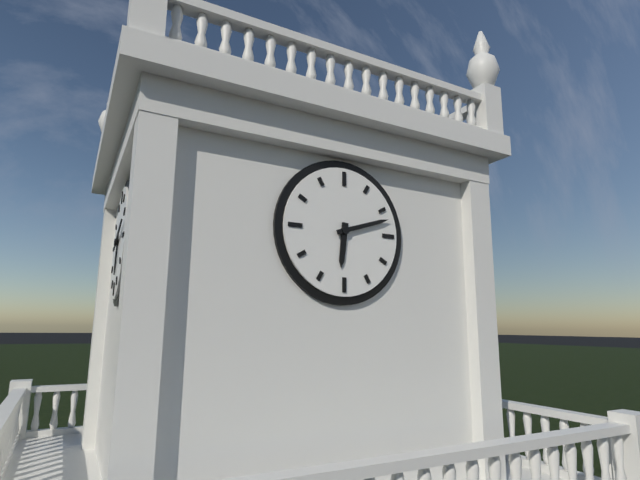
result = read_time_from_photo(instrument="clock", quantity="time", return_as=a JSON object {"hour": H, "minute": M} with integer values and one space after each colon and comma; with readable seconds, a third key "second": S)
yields {"hour": 6, "minute": 12}
